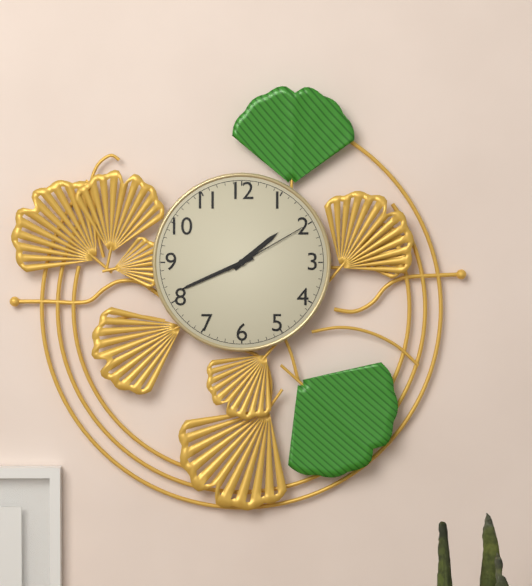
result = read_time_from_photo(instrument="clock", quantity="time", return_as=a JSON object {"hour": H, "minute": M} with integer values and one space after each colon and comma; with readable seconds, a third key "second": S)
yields {"hour": 1, "minute": 41, "second": 10}
